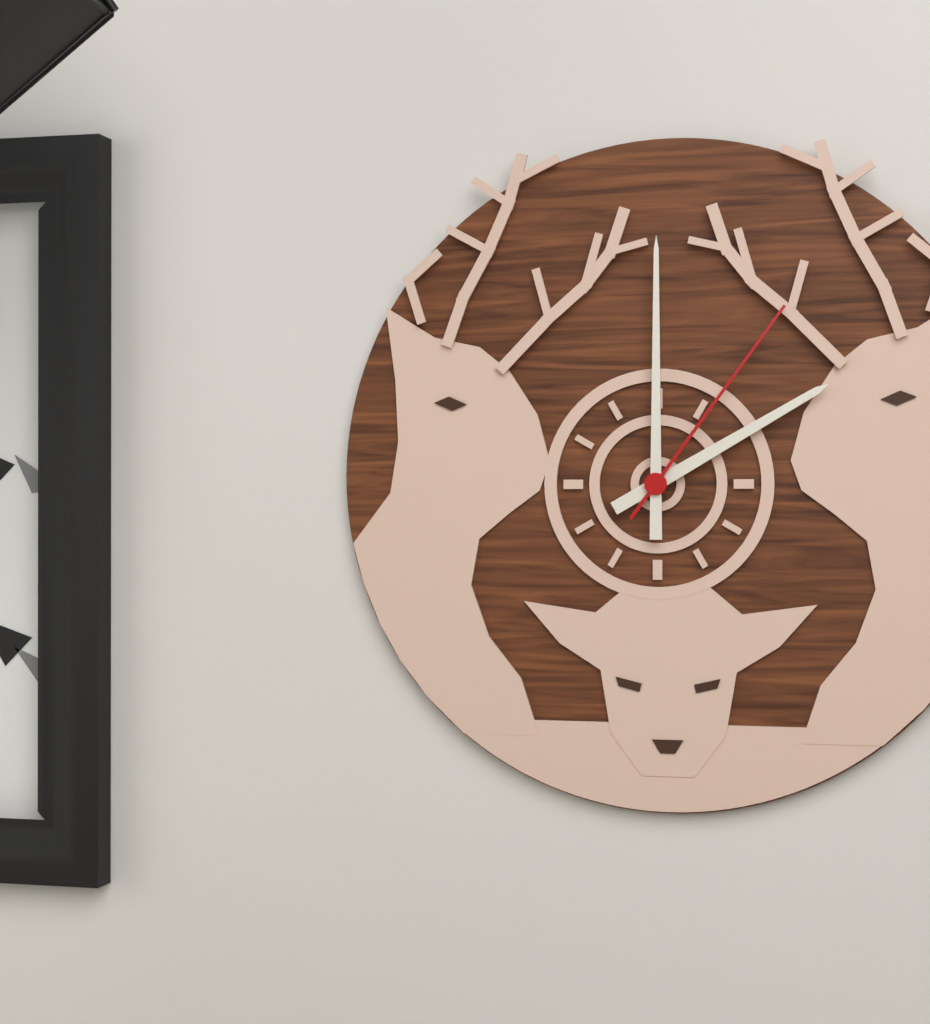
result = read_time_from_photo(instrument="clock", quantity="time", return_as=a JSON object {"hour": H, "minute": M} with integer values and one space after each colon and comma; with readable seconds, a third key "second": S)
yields {"hour": 2, "minute": 0, "second": 6}
